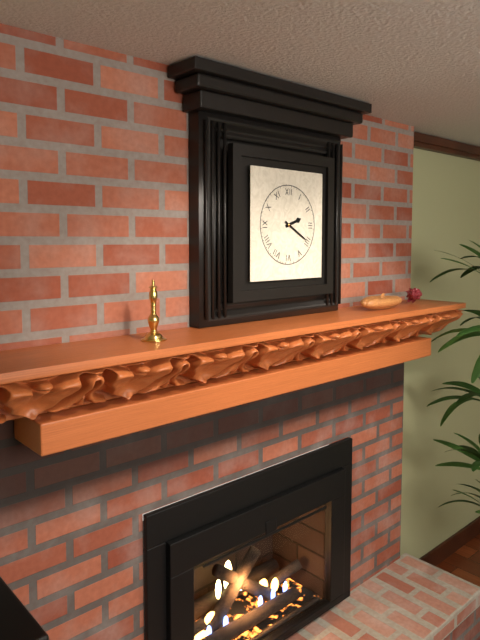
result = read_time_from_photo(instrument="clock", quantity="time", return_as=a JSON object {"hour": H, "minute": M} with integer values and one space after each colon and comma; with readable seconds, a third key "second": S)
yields {"hour": 2, "minute": 20}
